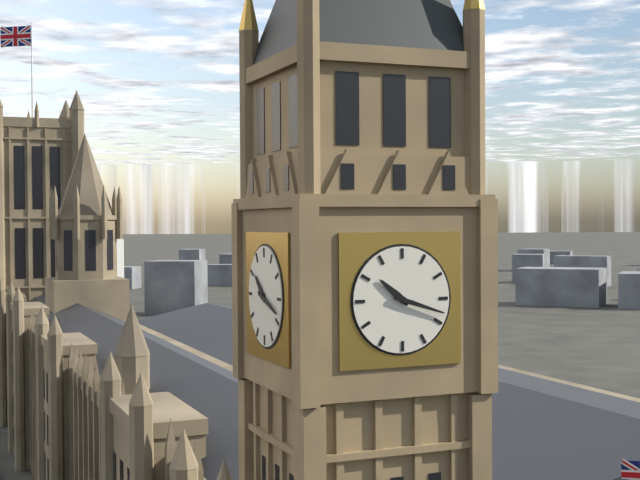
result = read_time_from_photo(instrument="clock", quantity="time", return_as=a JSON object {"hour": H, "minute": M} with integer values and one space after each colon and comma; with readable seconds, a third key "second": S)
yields {"hour": 10, "minute": 18}
